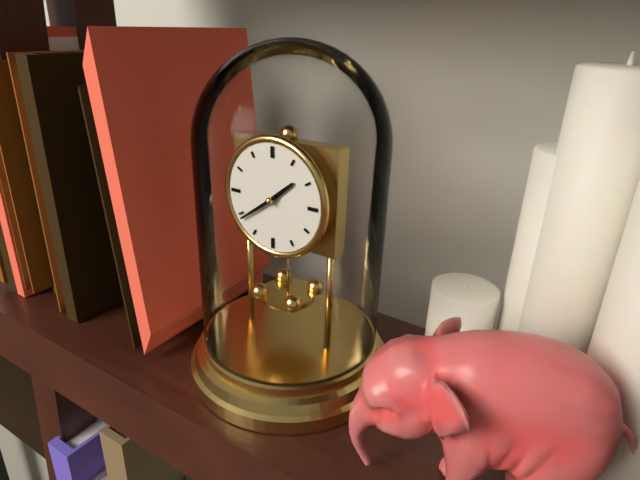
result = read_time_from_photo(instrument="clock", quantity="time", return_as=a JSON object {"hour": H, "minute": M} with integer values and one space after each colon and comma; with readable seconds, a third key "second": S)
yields {"hour": 1, "minute": 39}
